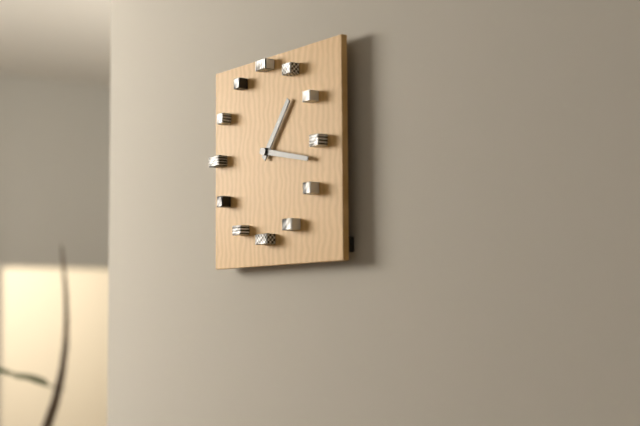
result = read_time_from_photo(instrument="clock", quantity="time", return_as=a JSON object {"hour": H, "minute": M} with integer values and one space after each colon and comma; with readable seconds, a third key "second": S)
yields {"hour": 1, "minute": 17}
